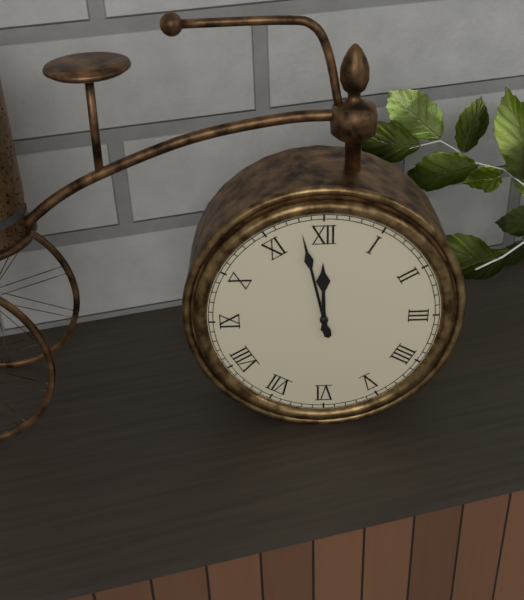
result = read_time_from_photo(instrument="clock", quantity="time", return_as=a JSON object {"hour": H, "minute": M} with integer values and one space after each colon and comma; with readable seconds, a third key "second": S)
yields {"hour": 11, "minute": 58}
